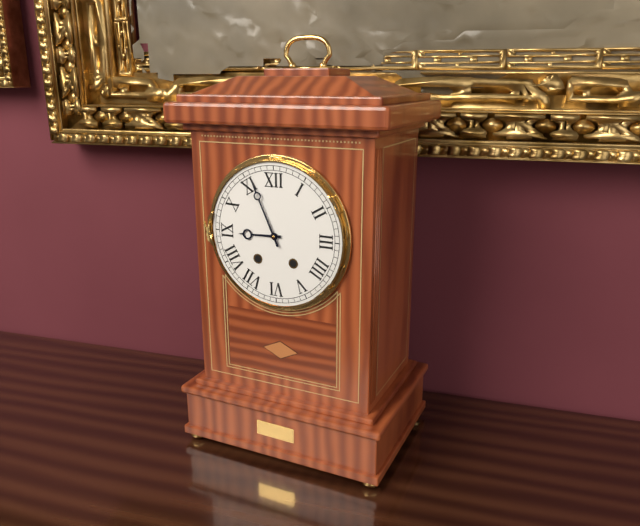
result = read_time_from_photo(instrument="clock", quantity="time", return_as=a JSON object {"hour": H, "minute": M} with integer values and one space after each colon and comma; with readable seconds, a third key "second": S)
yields {"hour": 8, "minute": 56}
